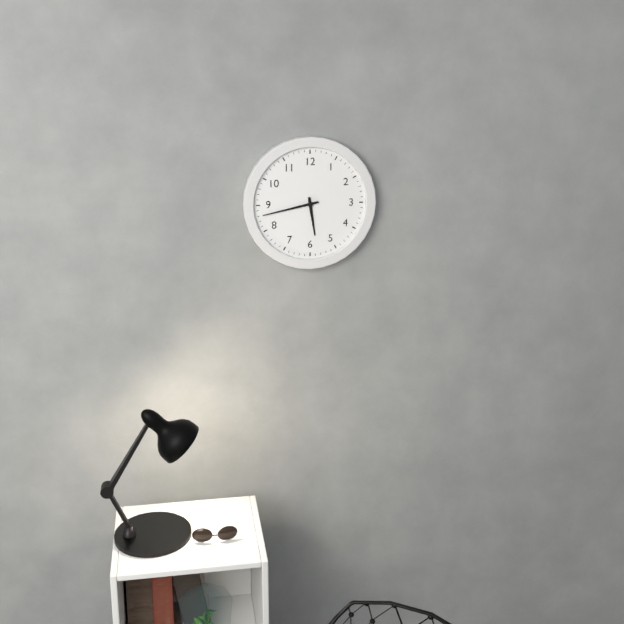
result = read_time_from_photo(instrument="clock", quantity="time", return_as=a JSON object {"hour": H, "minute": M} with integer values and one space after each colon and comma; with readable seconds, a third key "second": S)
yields {"hour": 5, "minute": 43}
